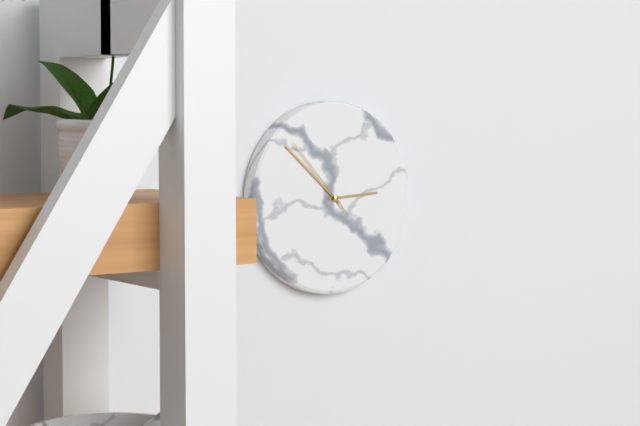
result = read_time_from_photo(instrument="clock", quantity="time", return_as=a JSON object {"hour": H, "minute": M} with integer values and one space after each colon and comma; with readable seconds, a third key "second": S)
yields {"hour": 2, "minute": 52, "second": 53}
